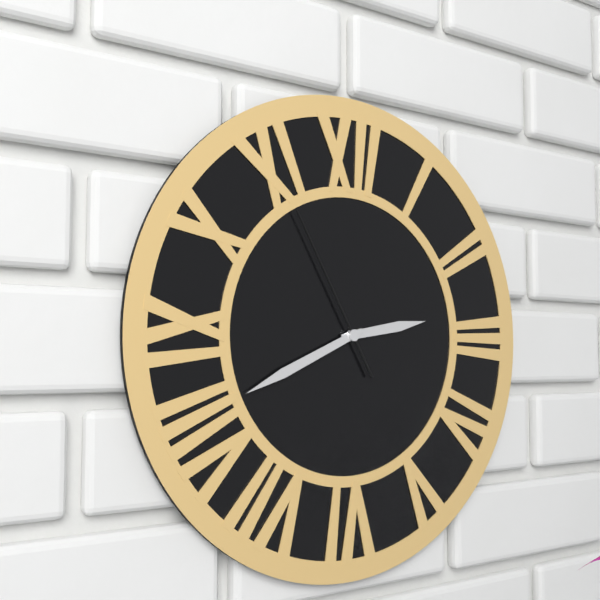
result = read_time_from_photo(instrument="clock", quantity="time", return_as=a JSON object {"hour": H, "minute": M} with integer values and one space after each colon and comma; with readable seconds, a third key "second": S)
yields {"hour": 2, "minute": 41, "second": 55}
